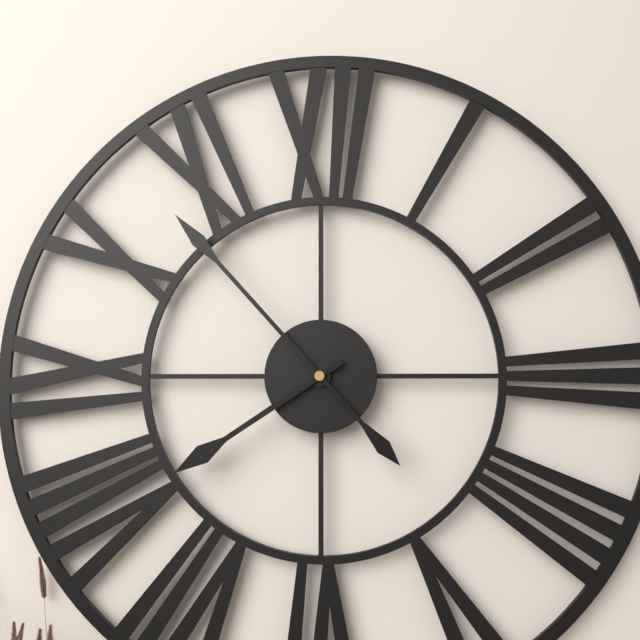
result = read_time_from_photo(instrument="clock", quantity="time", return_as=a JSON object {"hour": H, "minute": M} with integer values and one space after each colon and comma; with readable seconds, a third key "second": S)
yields {"hour": 7, "minute": 53}
